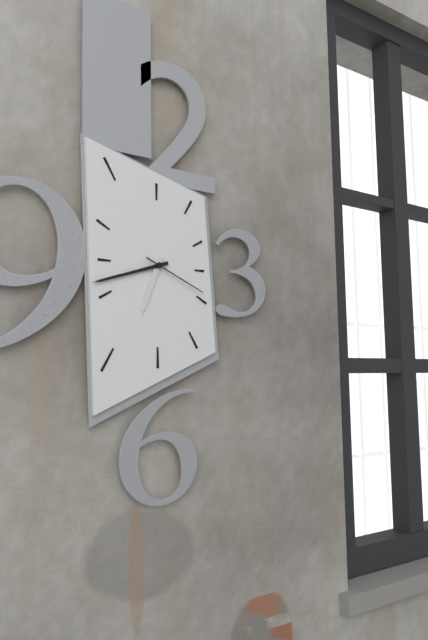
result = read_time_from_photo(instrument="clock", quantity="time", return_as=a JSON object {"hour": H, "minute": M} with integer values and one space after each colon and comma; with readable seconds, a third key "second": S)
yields {"hour": 6, "minute": 42, "second": 19}
